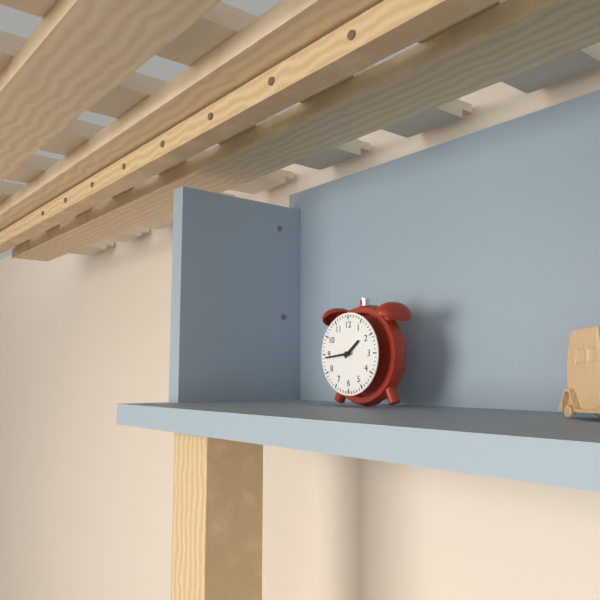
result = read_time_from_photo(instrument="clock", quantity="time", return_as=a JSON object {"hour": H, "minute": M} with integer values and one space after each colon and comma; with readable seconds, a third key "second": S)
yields {"hour": 1, "minute": 44}
